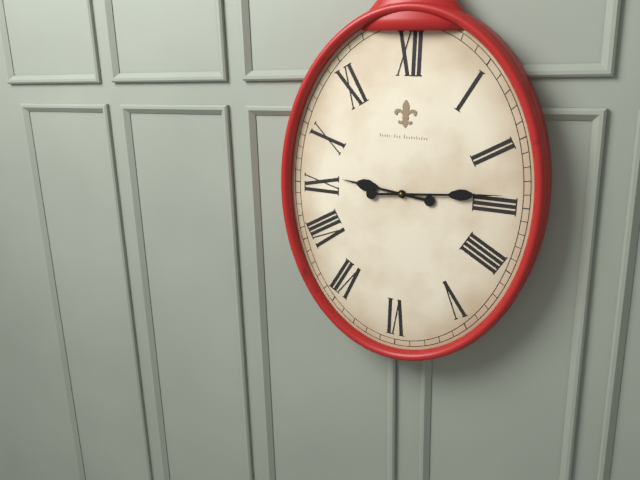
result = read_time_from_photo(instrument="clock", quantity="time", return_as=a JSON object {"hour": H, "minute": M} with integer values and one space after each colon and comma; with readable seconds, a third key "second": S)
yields {"hour": 9, "minute": 14}
